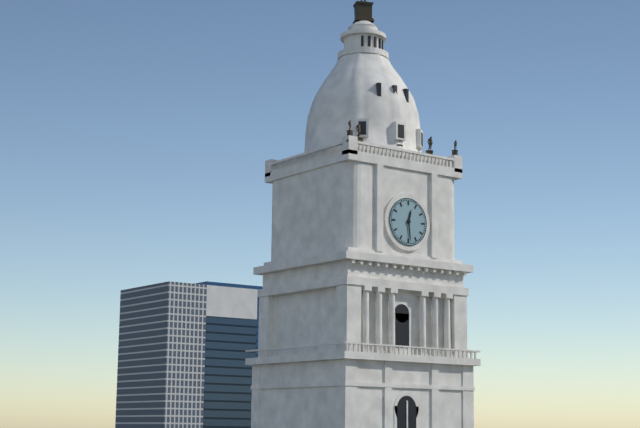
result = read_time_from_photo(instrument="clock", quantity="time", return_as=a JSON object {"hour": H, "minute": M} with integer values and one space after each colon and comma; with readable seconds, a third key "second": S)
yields {"hour": 12, "minute": 29}
